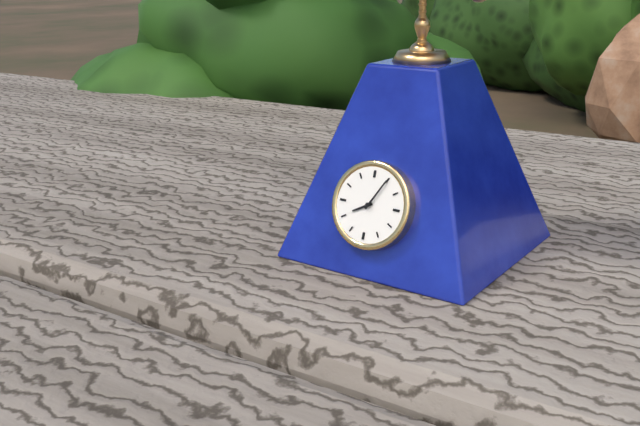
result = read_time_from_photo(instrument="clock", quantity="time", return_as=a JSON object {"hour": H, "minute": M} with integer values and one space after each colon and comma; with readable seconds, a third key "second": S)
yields {"hour": 8, "minute": 5}
